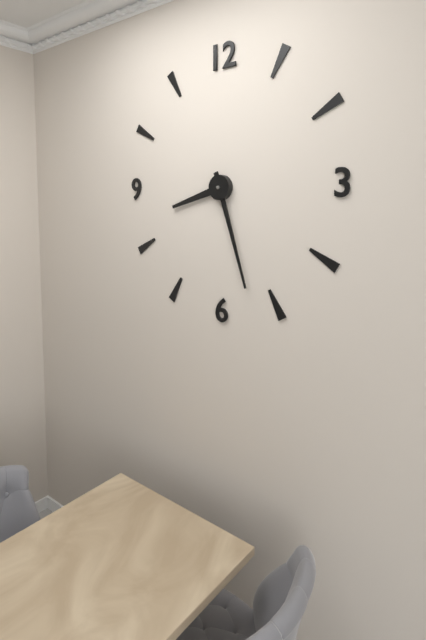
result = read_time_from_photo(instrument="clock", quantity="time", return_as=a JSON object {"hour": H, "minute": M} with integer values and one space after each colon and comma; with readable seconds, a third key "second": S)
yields {"hour": 8, "minute": 27}
